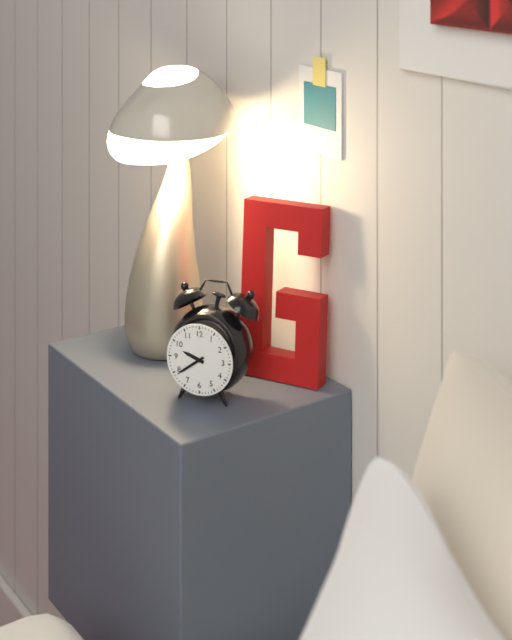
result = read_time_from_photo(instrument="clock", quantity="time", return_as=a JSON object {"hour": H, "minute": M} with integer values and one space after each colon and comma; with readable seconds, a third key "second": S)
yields {"hour": 9, "minute": 39}
